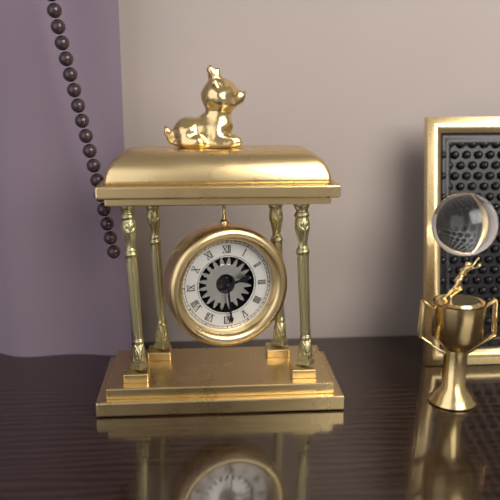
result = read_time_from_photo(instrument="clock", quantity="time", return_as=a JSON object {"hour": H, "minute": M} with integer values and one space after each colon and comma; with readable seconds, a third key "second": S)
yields {"hour": 2, "minute": 29}
